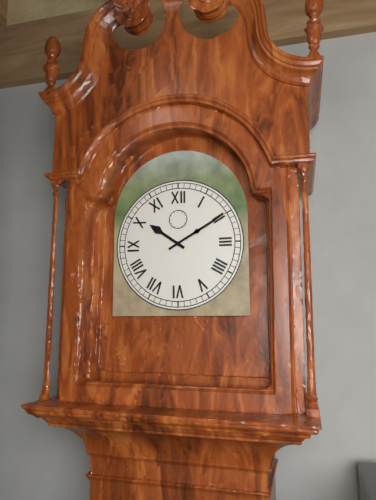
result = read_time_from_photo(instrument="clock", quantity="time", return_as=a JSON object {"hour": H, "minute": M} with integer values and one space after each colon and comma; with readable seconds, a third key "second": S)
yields {"hour": 10, "minute": 10}
